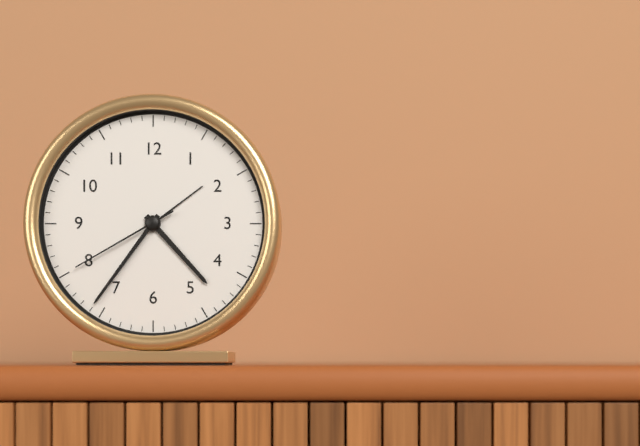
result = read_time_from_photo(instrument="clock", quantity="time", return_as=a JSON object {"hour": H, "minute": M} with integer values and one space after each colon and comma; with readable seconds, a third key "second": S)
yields {"hour": 4, "minute": 36, "second": 40}
